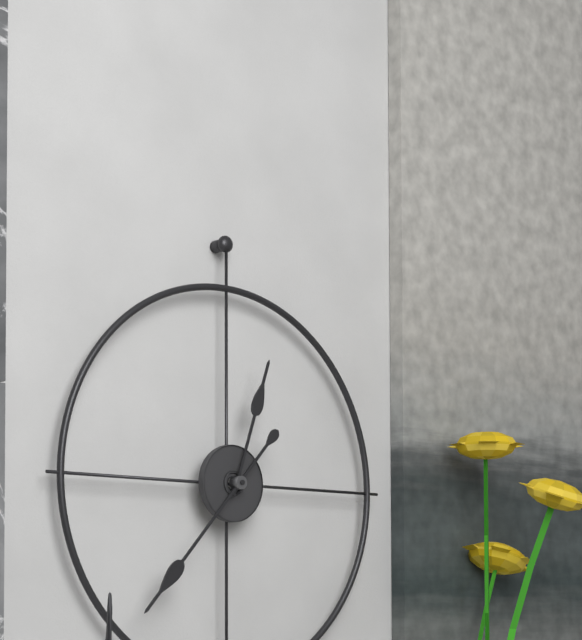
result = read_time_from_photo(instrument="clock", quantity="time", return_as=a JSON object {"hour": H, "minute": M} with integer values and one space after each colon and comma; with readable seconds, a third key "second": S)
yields {"hour": 12, "minute": 37}
